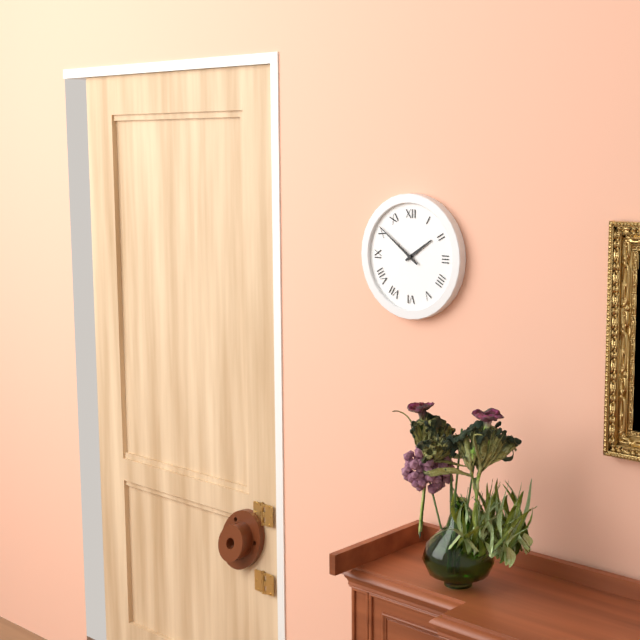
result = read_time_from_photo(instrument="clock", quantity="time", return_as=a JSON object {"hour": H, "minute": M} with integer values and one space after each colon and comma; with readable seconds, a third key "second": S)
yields {"hour": 1, "minute": 51}
